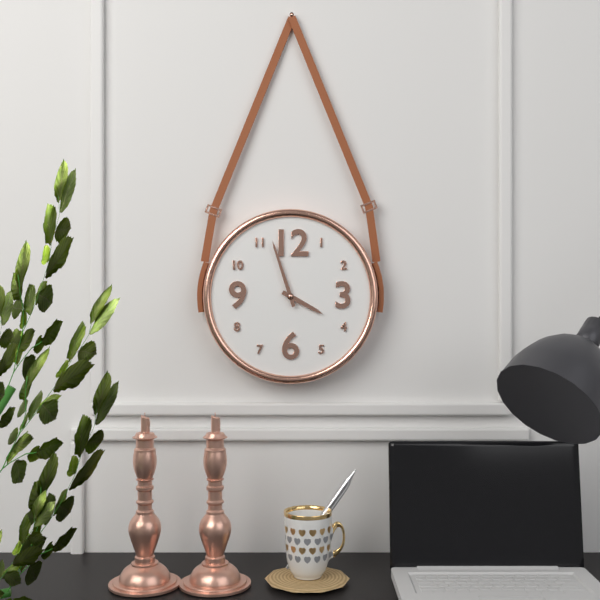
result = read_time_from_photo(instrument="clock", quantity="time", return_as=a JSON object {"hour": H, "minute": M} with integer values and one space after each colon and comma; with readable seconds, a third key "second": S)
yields {"hour": 3, "minute": 57}
